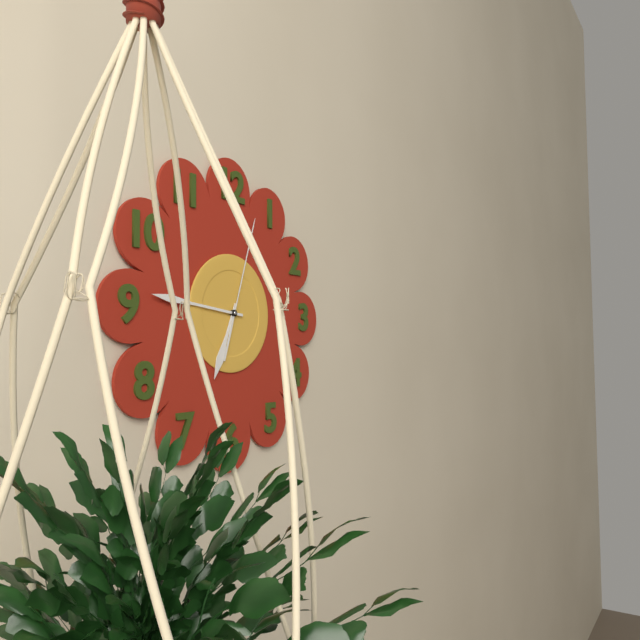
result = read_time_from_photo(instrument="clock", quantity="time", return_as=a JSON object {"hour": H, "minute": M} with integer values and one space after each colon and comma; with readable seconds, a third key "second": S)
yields {"hour": 6, "minute": 46, "second": 3}
